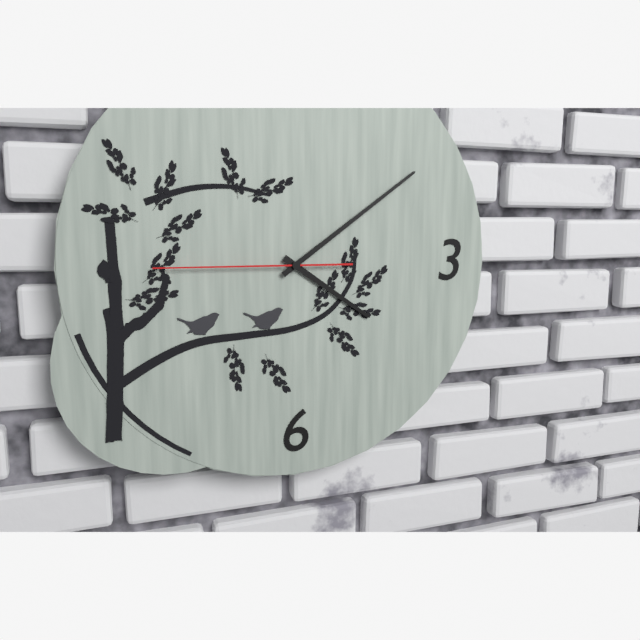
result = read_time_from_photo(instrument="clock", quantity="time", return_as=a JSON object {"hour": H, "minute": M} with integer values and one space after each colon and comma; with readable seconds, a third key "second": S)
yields {"hour": 4, "minute": 9, "second": 45}
